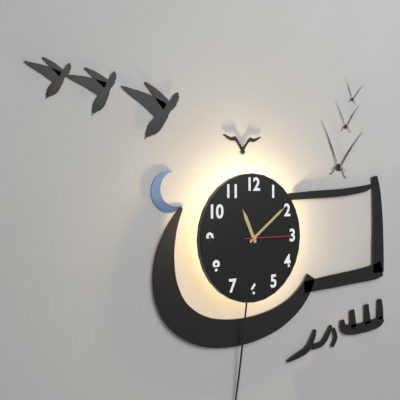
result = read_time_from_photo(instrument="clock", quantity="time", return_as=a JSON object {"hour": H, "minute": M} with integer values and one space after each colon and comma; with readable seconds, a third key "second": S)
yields {"hour": 11, "minute": 9, "second": 15}
